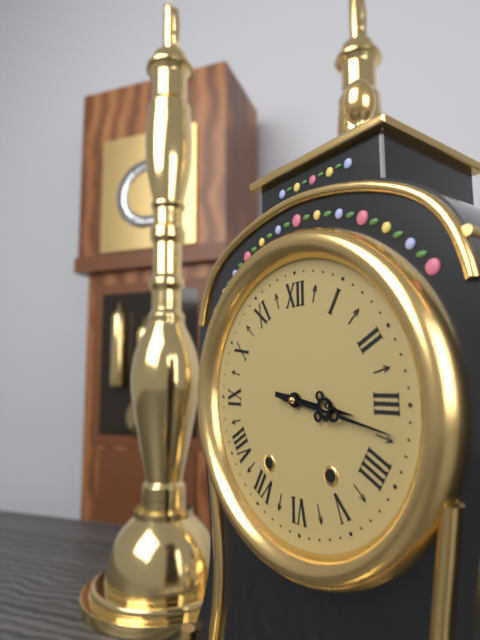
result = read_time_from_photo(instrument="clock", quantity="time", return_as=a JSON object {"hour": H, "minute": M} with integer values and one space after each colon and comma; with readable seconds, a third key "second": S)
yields {"hour": 3, "minute": 17}
